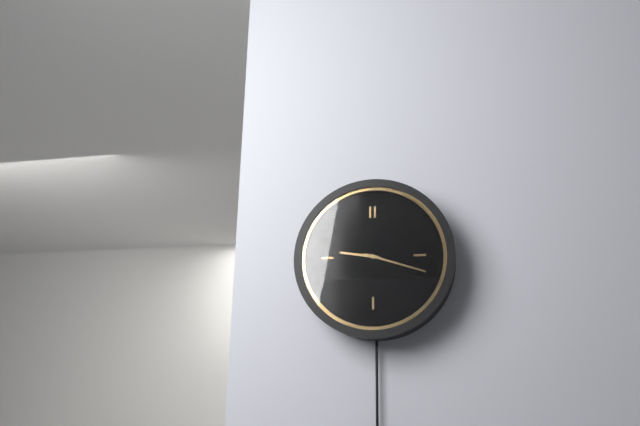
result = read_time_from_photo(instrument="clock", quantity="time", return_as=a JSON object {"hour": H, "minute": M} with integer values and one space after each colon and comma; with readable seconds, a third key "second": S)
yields {"hour": 9, "minute": 18}
